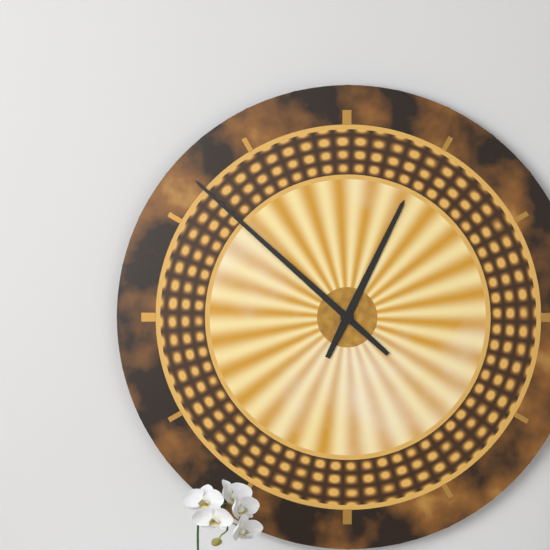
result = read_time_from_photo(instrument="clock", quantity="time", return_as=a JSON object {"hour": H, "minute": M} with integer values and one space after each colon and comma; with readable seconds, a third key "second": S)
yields {"hour": 12, "minute": 52}
